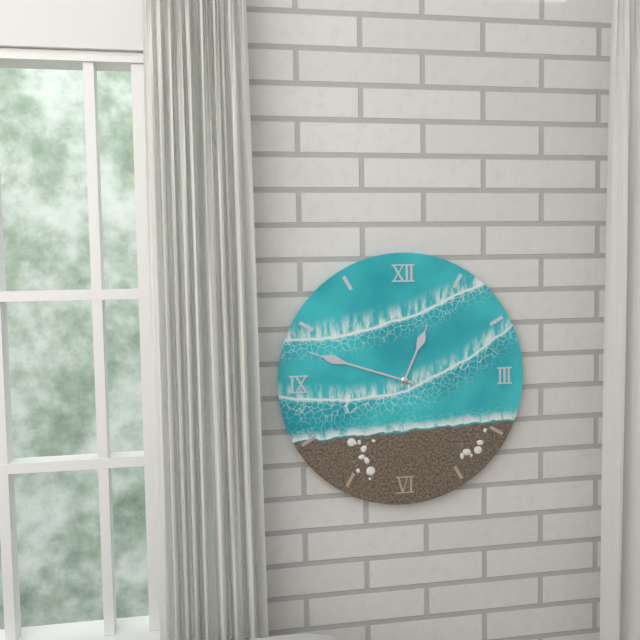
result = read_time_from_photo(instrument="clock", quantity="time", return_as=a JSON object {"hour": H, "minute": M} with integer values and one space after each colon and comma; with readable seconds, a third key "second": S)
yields {"hour": 12, "minute": 48}
